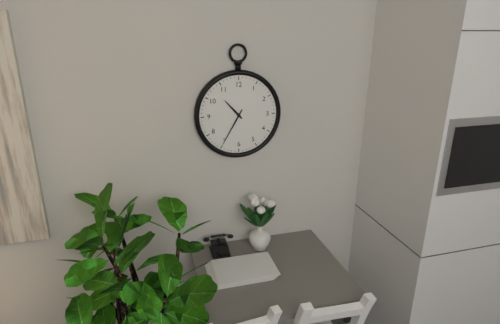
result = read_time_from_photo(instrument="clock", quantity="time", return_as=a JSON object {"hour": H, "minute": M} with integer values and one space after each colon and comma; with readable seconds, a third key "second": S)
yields {"hour": 10, "minute": 35}
